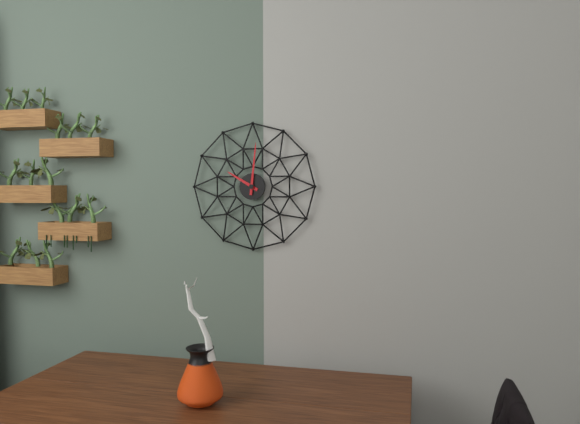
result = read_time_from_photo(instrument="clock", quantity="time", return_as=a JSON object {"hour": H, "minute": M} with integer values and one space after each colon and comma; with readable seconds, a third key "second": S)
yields {"hour": 10, "minute": 1}
